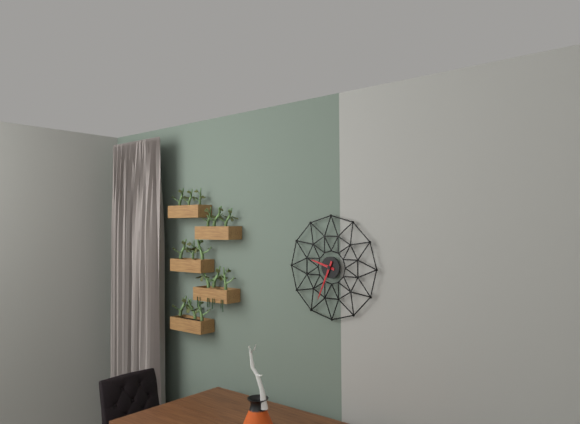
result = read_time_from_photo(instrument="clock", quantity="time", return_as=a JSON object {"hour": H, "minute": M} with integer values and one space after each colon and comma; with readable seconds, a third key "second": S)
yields {"hour": 9, "minute": 34}
